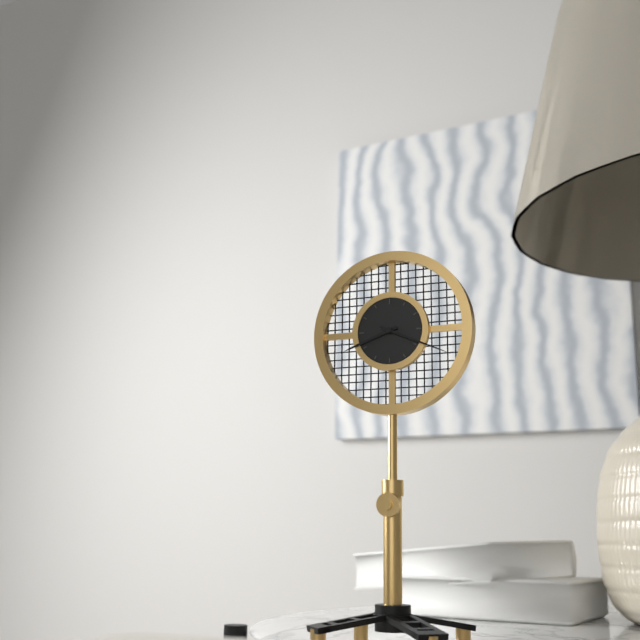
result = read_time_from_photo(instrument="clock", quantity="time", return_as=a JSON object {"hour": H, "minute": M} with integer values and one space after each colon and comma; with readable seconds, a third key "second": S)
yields {"hour": 8, "minute": 19}
